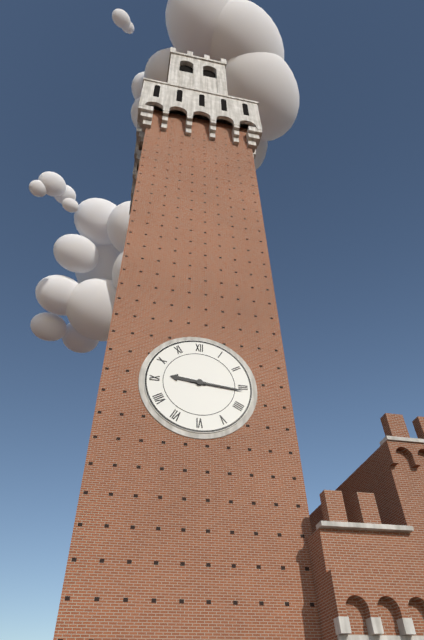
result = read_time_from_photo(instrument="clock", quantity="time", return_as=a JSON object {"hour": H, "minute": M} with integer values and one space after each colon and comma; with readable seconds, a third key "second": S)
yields {"hour": 9, "minute": 16}
